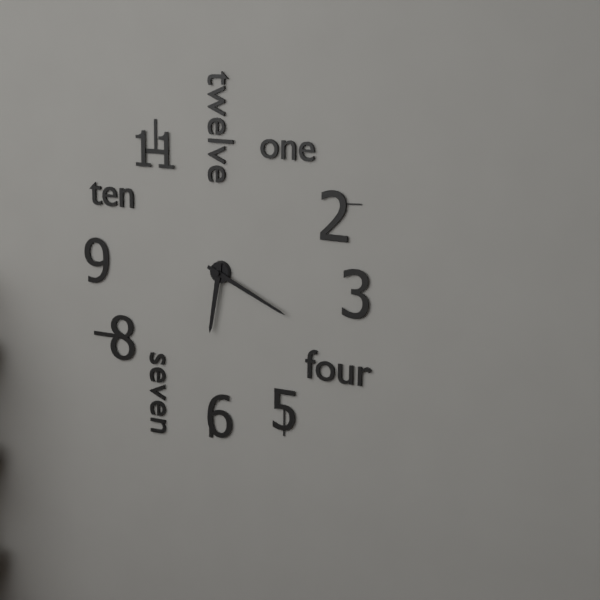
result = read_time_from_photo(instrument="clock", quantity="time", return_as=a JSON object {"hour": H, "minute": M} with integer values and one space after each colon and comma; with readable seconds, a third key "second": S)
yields {"hour": 6, "minute": 19}
